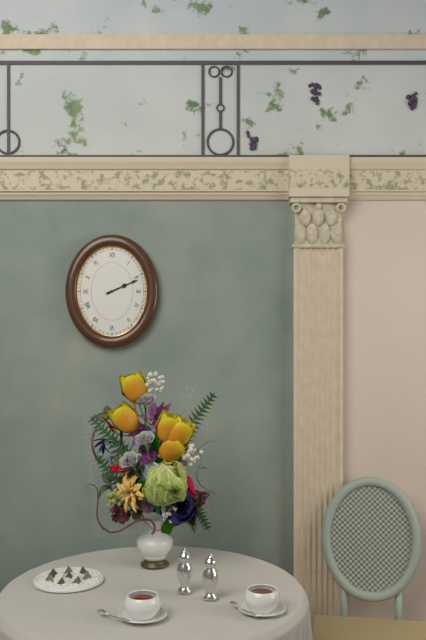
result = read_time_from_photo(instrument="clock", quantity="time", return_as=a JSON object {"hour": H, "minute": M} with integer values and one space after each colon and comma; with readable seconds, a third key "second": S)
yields {"hour": 2, "minute": 11}
